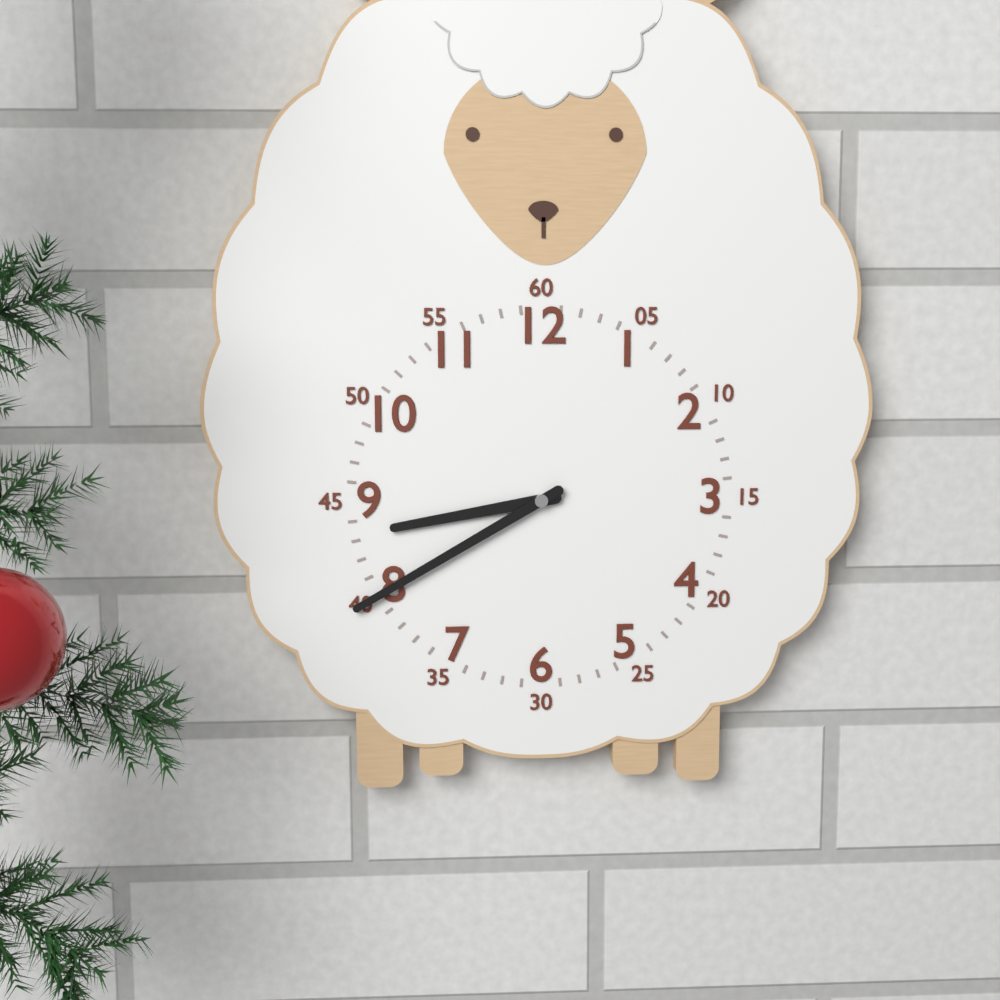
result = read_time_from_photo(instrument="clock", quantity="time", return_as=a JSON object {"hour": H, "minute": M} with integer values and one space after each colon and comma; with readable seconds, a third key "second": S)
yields {"hour": 8, "minute": 40}
